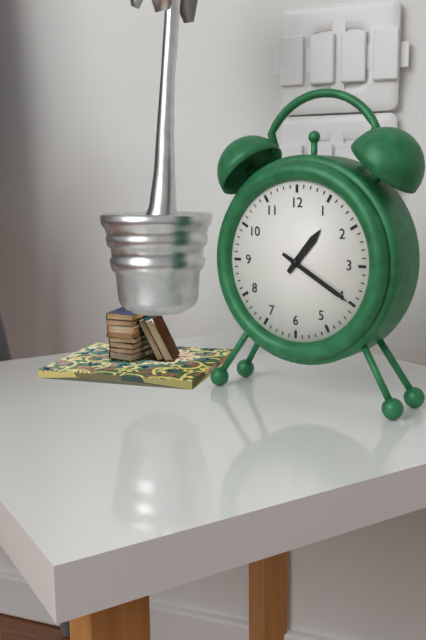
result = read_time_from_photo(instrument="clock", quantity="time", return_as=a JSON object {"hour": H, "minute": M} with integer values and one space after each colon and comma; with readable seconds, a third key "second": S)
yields {"hour": 1, "minute": 20}
